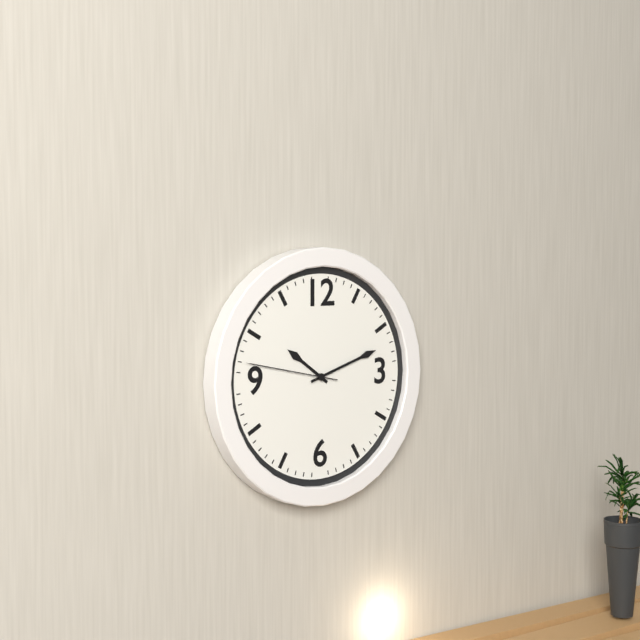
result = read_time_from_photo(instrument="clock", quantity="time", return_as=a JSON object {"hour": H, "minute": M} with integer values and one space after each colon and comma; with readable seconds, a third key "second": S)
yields {"hour": 10, "minute": 12, "second": 47}
